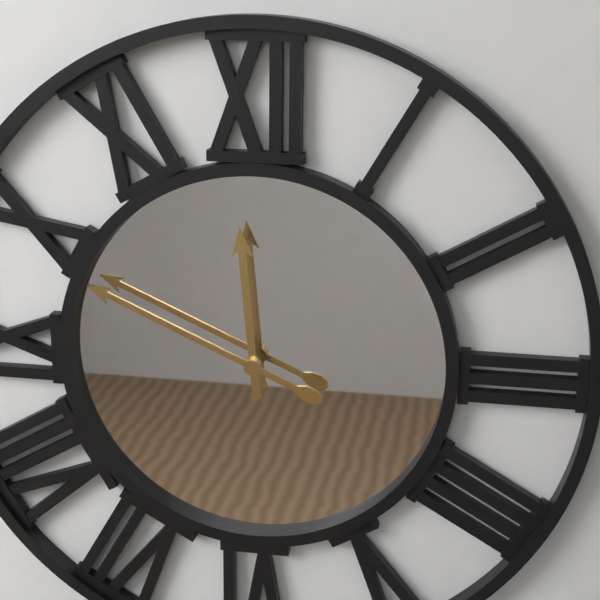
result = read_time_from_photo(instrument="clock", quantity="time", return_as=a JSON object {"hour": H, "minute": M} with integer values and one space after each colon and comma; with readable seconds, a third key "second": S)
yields {"hour": 11, "minute": 49}
